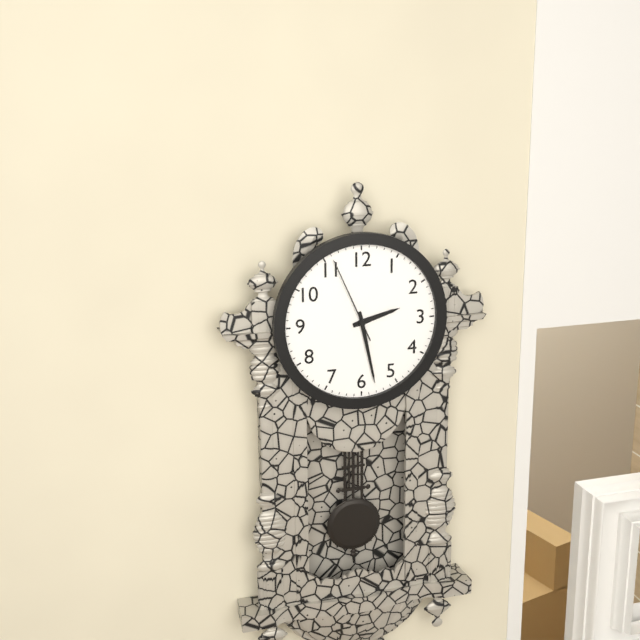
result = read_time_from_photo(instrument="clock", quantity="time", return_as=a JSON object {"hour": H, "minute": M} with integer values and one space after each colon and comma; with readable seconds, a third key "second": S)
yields {"hour": 2, "minute": 28, "second": 56}
